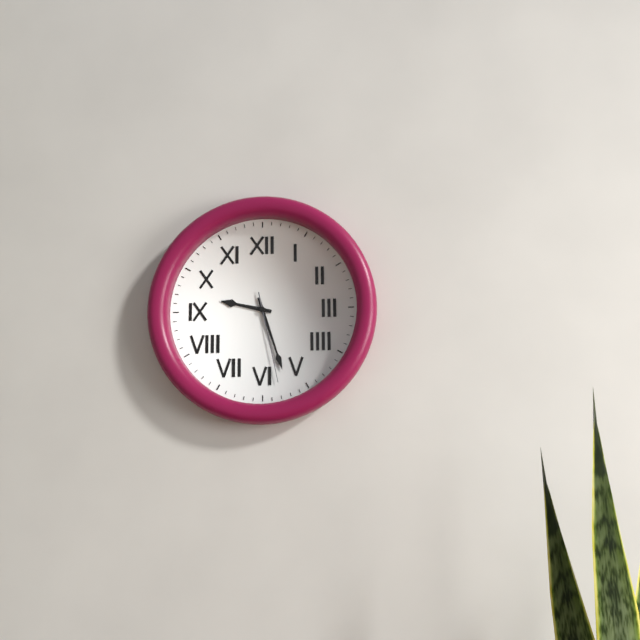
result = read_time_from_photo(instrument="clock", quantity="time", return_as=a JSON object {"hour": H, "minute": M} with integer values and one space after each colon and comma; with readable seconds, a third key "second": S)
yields {"hour": 9, "minute": 27, "second": 28}
